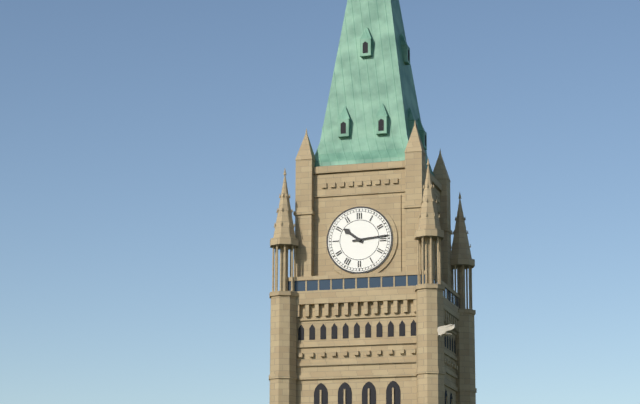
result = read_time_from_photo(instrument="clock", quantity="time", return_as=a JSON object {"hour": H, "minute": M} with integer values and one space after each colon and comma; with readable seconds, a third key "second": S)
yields {"hour": 10, "minute": 14}
